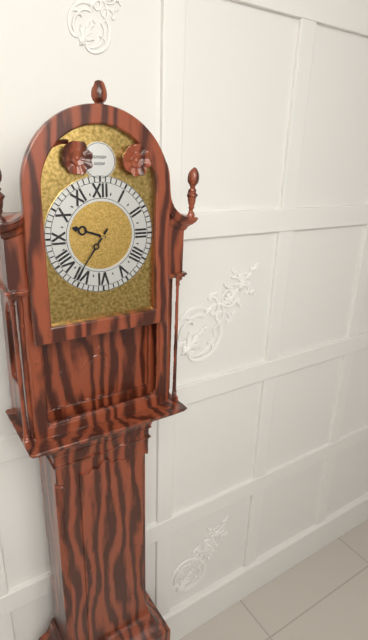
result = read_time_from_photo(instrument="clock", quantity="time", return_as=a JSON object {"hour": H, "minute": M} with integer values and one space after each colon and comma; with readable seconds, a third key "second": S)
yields {"hour": 9, "minute": 36}
